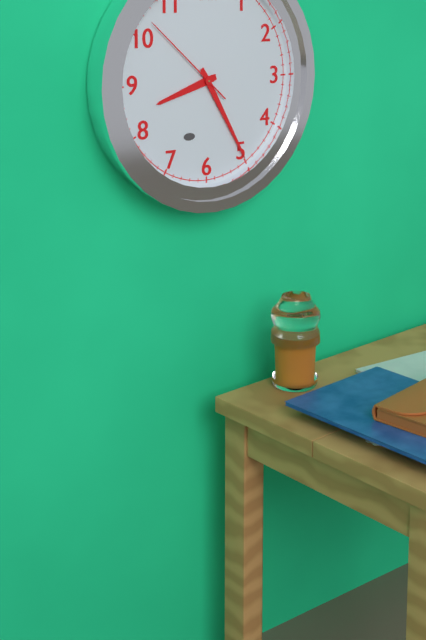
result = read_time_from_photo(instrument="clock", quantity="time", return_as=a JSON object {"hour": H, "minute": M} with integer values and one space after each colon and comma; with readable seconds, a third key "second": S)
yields {"hour": 8, "minute": 25, "second": 52}
